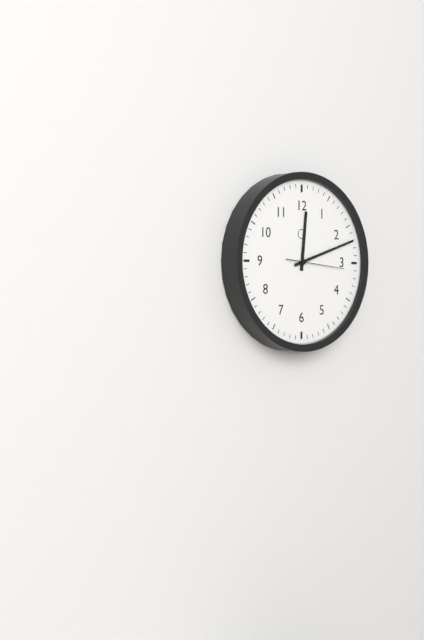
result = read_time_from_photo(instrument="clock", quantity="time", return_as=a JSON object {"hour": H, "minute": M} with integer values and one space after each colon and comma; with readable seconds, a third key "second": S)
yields {"hour": 12, "minute": 12, "second": 16}
